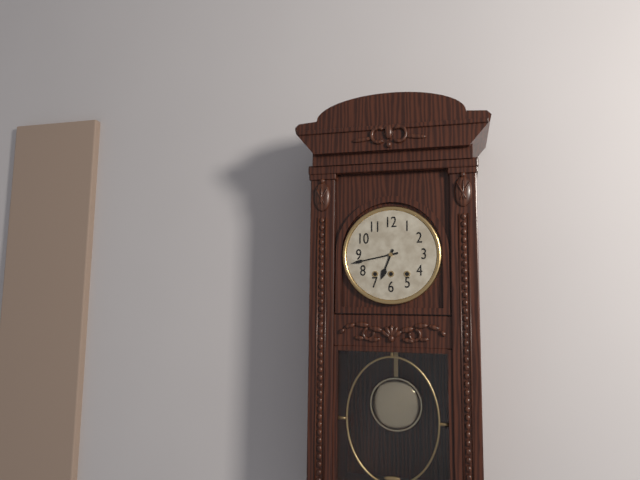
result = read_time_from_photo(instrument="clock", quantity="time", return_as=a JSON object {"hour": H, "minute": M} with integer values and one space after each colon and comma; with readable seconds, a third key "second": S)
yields {"hour": 6, "minute": 43}
